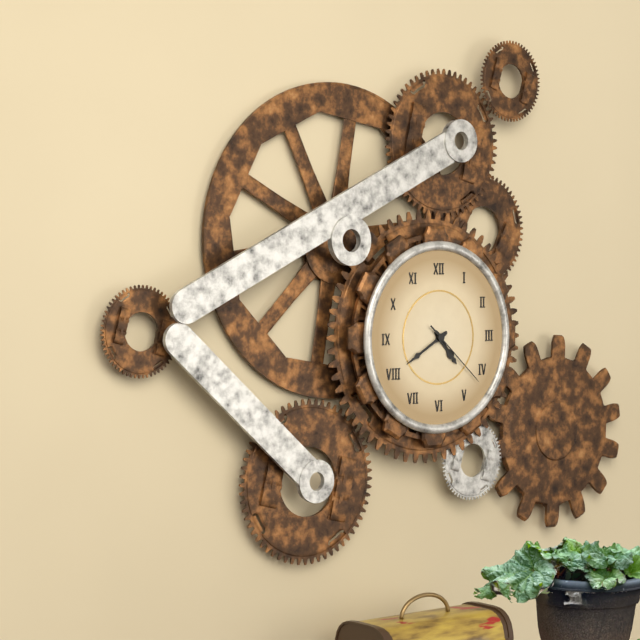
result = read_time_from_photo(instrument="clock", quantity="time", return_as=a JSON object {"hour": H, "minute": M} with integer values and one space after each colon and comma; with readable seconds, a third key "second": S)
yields {"hour": 4, "minute": 40, "second": 22}
